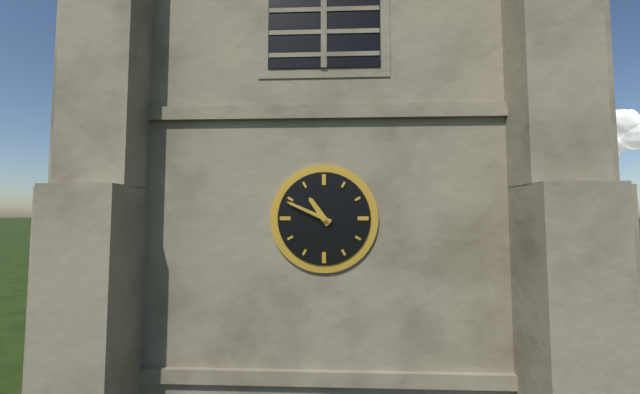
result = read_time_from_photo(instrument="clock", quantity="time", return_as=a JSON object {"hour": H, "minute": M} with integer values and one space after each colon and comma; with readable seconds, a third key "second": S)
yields {"hour": 10, "minute": 49}
